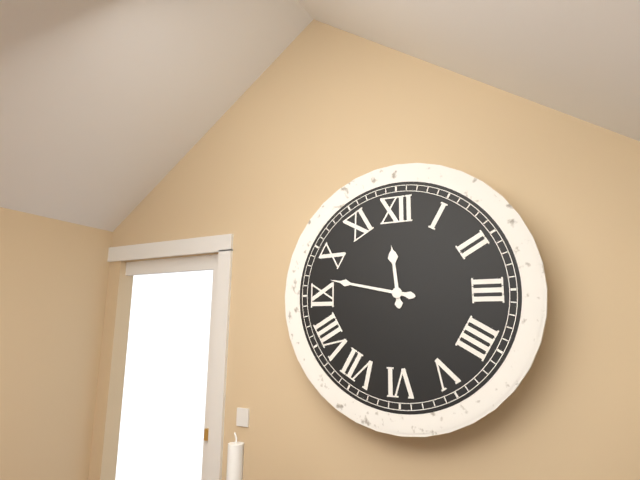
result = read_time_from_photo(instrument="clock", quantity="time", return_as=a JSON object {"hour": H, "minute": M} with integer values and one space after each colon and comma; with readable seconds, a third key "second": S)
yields {"hour": 11, "minute": 47}
